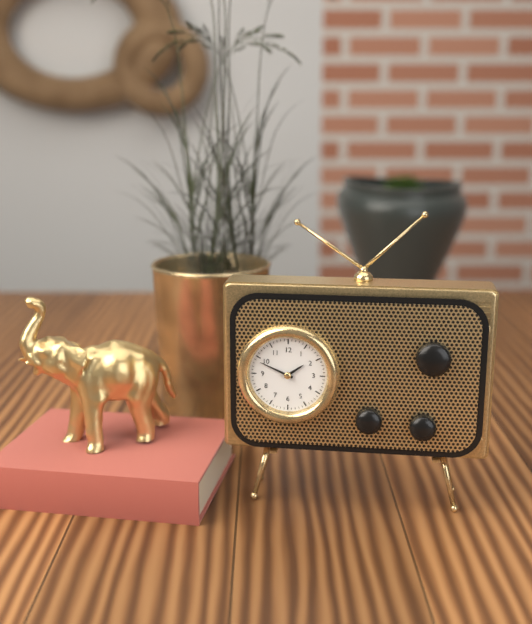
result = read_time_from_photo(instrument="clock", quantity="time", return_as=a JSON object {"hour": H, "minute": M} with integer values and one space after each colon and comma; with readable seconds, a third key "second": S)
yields {"hour": 1, "minute": 49}
